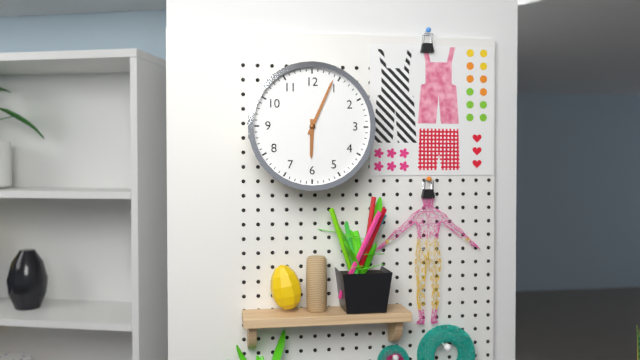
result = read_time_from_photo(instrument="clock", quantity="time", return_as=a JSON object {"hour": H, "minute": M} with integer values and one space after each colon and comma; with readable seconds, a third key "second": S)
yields {"hour": 6, "minute": 4}
